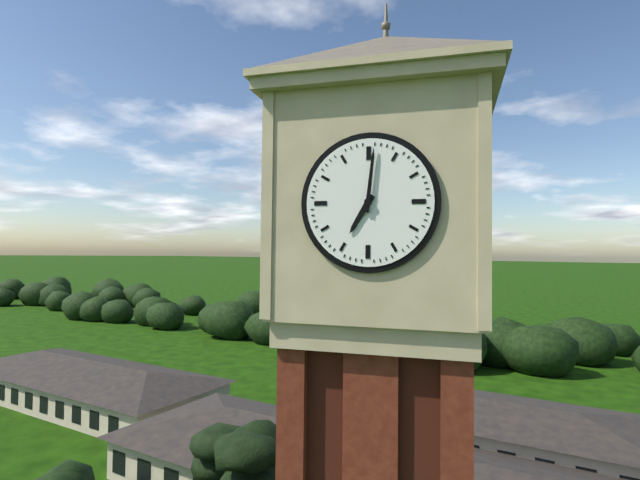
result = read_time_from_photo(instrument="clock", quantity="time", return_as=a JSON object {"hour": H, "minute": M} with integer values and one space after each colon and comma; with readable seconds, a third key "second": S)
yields {"hour": 7, "minute": 1}
